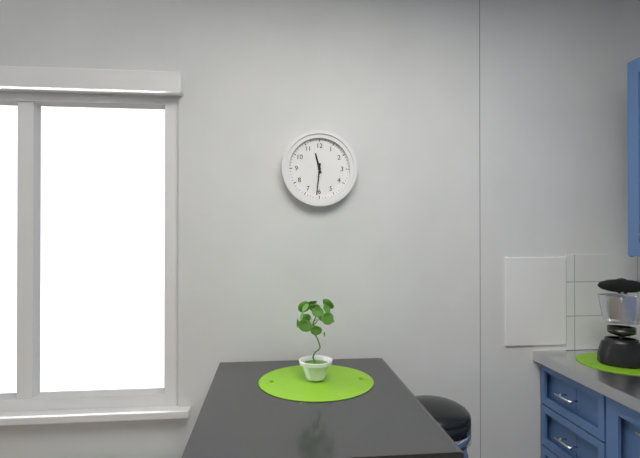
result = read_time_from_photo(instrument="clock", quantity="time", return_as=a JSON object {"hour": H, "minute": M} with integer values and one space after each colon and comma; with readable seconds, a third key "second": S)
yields {"hour": 11, "minute": 31}
